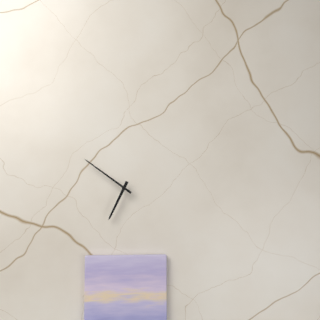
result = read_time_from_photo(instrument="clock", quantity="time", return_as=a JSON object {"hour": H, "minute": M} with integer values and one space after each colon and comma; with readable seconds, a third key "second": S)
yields {"hour": 6, "minute": 51}
